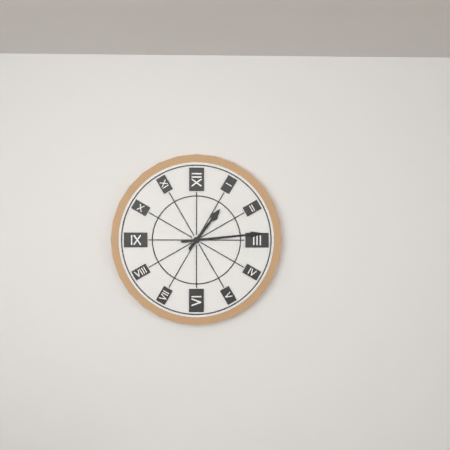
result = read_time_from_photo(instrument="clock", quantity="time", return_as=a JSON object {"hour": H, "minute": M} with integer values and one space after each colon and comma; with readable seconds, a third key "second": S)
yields {"hour": 1, "minute": 14}
